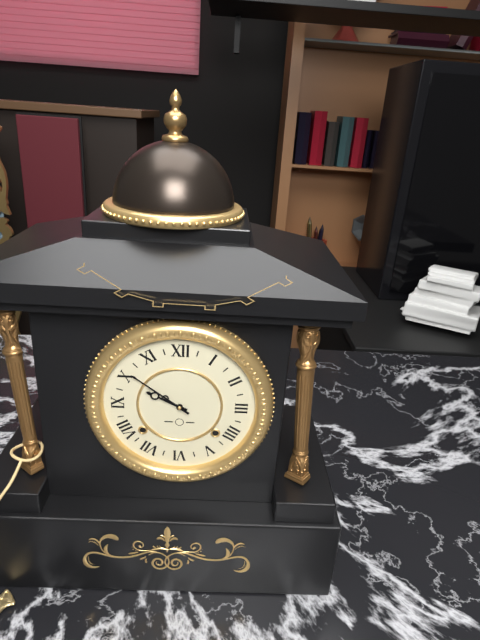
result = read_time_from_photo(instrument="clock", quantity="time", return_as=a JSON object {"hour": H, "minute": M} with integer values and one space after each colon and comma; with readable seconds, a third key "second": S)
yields {"hour": 9, "minute": 51}
